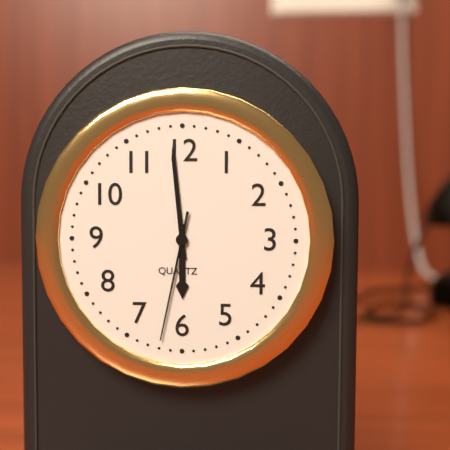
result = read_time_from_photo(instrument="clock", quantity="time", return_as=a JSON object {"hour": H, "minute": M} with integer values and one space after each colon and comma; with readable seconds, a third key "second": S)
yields {"hour": 5, "minute": 59, "second": 32}
